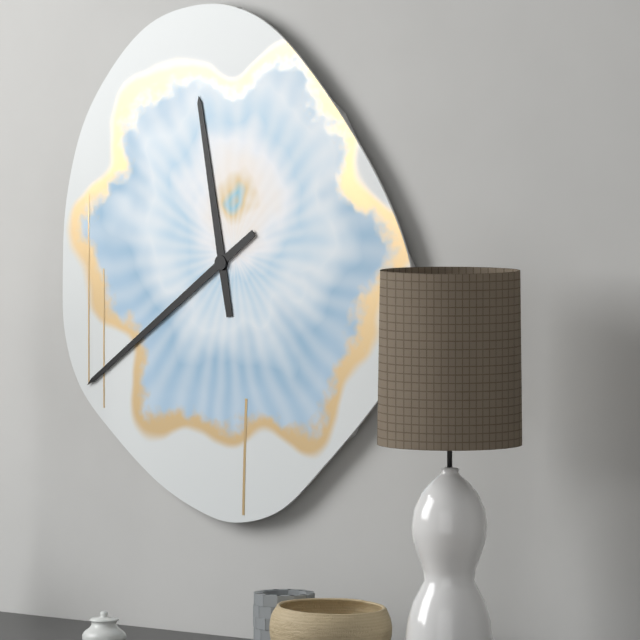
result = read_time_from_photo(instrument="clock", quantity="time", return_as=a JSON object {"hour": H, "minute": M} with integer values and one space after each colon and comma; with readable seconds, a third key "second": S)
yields {"hour": 11, "minute": 39}
